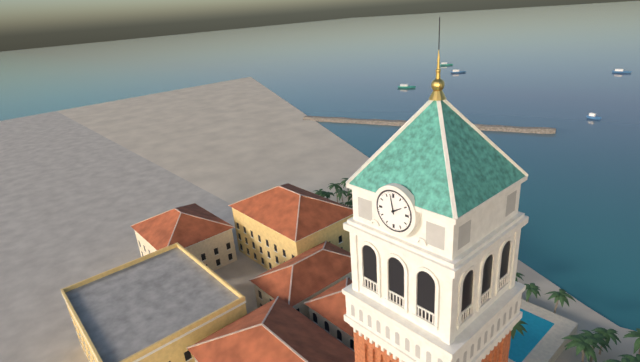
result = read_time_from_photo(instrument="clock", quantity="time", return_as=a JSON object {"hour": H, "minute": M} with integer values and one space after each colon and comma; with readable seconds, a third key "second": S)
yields {"hour": 1, "minute": 58}
